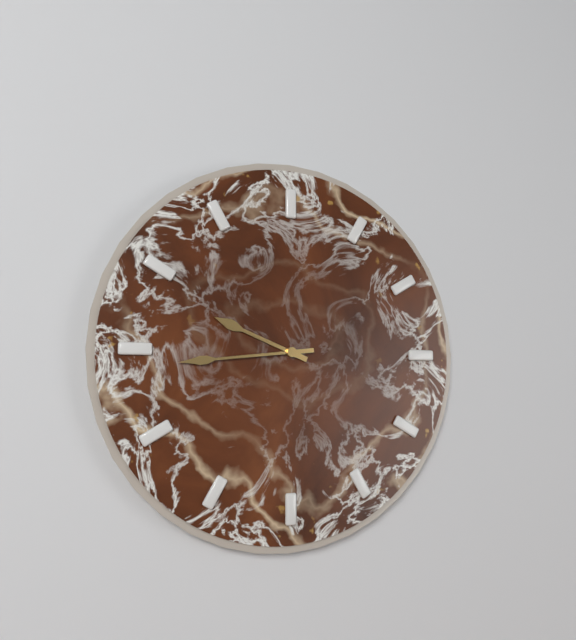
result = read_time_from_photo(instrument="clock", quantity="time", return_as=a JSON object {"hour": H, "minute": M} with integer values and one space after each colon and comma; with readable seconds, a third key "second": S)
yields {"hour": 9, "minute": 44}
